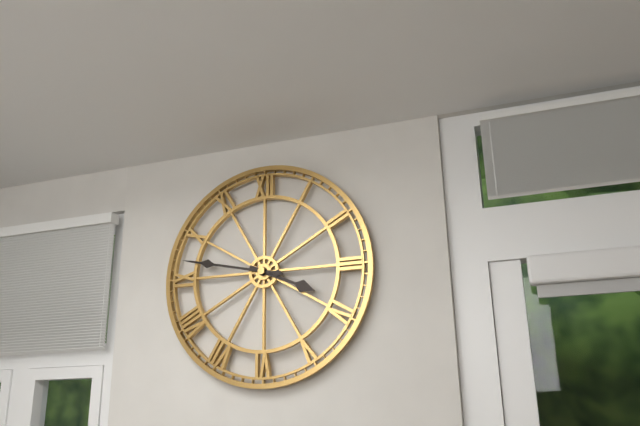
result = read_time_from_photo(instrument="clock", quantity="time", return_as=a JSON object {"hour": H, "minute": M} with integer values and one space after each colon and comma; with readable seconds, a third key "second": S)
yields {"hour": 3, "minute": 47}
